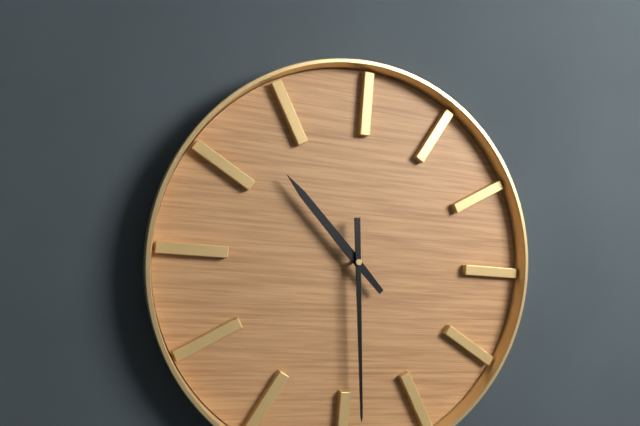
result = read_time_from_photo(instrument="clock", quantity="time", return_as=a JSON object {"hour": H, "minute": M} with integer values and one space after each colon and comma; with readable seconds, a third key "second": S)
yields {"hour": 10, "minute": 29}
